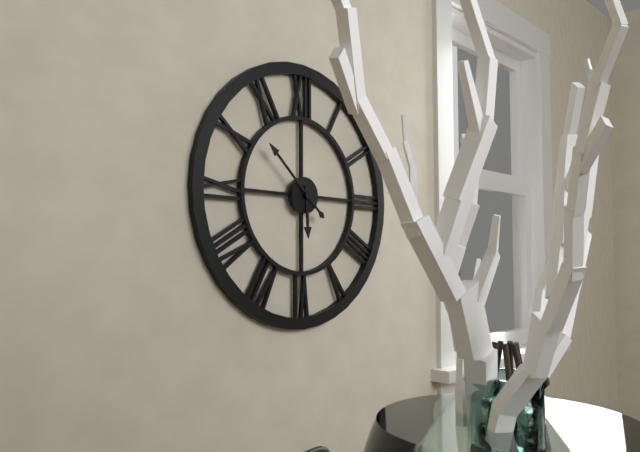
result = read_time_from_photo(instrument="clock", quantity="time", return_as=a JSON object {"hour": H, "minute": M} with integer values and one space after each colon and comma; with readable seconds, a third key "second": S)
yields {"hour": 5, "minute": 52}
